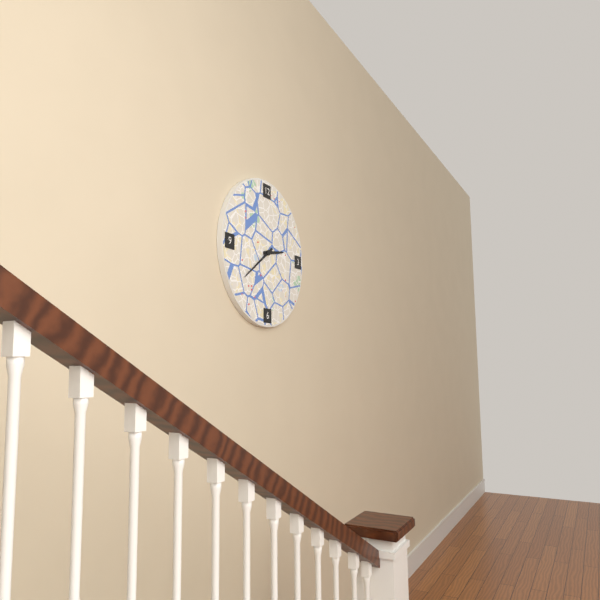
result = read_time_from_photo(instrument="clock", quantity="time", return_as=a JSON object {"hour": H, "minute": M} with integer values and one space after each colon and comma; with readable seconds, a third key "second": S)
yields {"hour": 2, "minute": 39}
